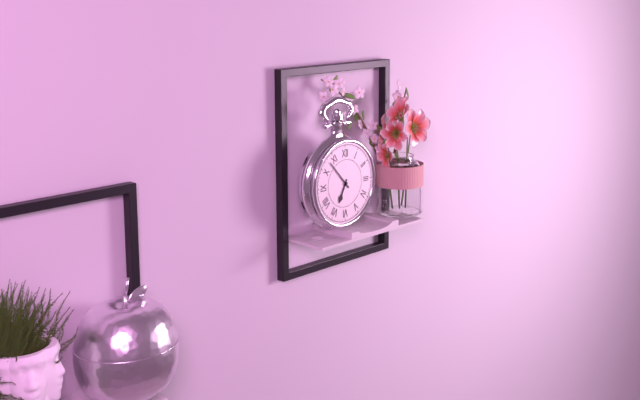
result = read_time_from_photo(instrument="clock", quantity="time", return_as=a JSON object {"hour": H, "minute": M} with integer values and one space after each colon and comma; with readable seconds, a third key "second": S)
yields {"hour": 6, "minute": 53}
